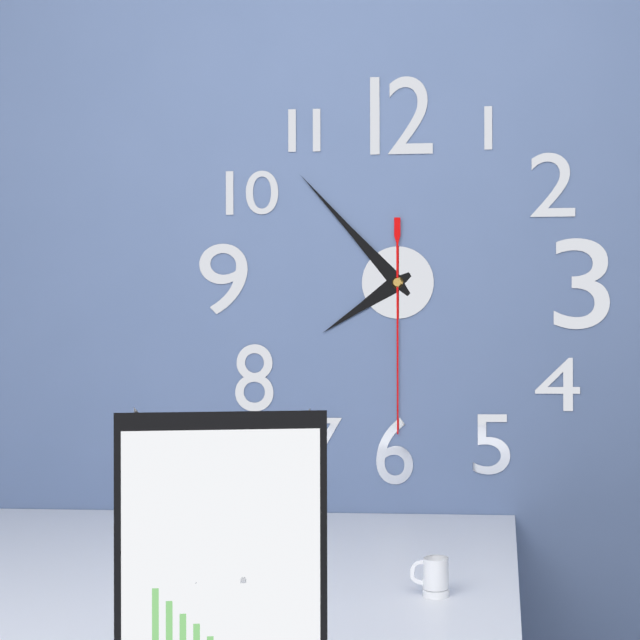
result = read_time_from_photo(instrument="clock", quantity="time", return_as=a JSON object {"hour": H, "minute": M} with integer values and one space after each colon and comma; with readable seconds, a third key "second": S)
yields {"hour": 7, "minute": 53, "second": 30}
